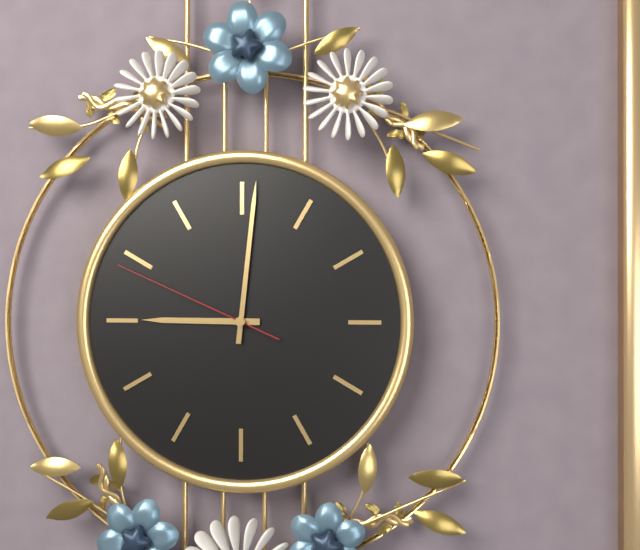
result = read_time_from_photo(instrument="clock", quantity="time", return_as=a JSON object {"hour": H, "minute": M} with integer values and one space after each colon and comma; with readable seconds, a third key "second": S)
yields {"hour": 9, "minute": 1, "second": 49}
